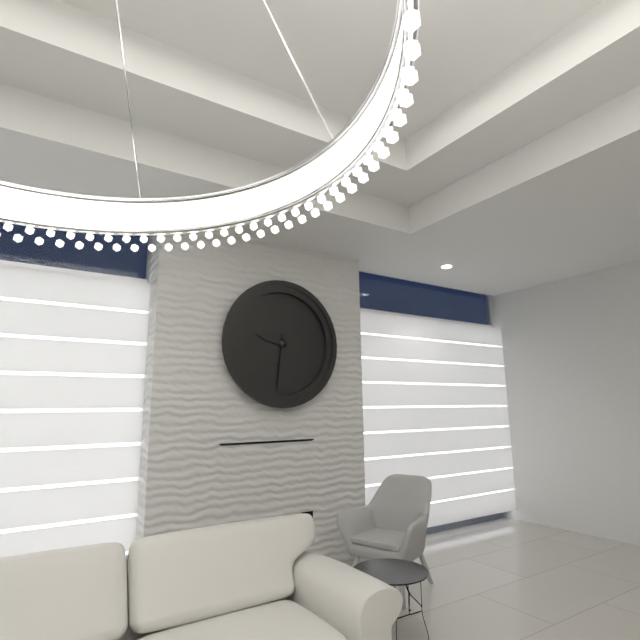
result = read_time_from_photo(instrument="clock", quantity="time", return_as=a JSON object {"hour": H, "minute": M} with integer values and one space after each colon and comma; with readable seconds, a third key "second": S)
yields {"hour": 9, "minute": 31}
